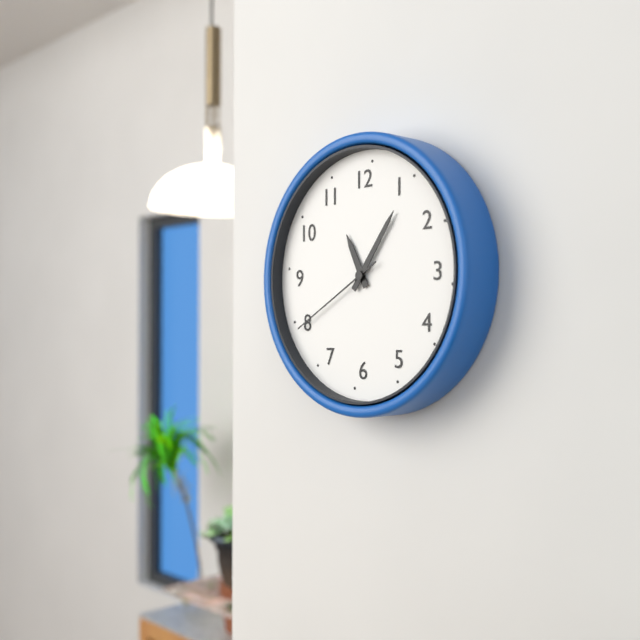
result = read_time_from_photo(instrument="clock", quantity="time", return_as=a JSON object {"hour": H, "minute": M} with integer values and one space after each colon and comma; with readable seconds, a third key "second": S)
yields {"hour": 11, "minute": 6, "second": 40}
